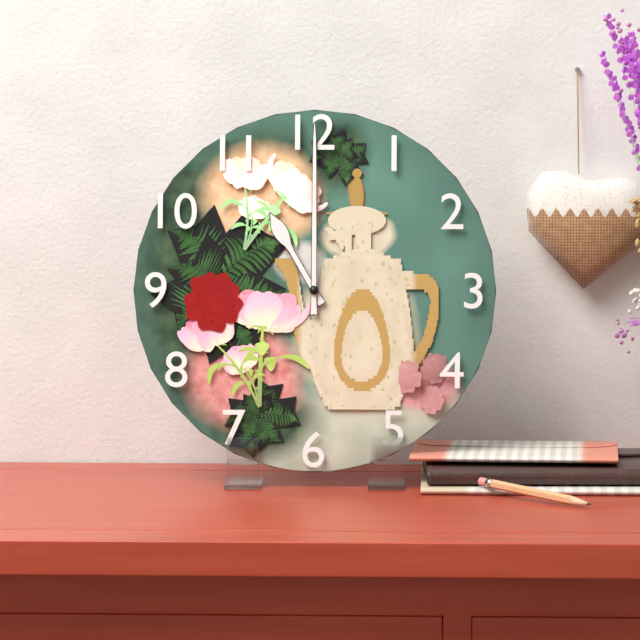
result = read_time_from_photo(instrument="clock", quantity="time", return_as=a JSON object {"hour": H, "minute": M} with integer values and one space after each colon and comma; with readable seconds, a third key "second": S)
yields {"hour": 11, "minute": 0}
